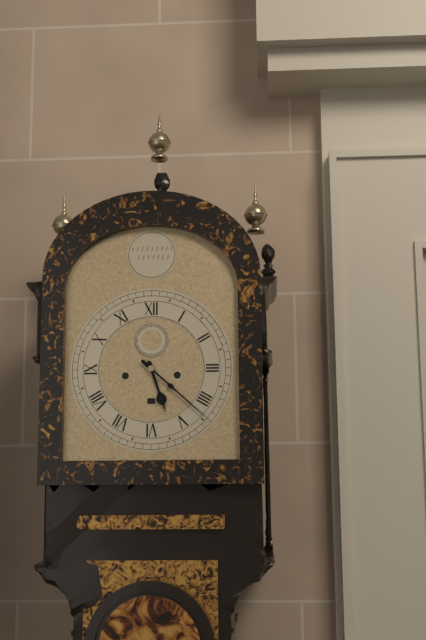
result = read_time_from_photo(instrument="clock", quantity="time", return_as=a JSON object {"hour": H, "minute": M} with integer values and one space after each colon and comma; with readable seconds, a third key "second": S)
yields {"hour": 5, "minute": 22}
